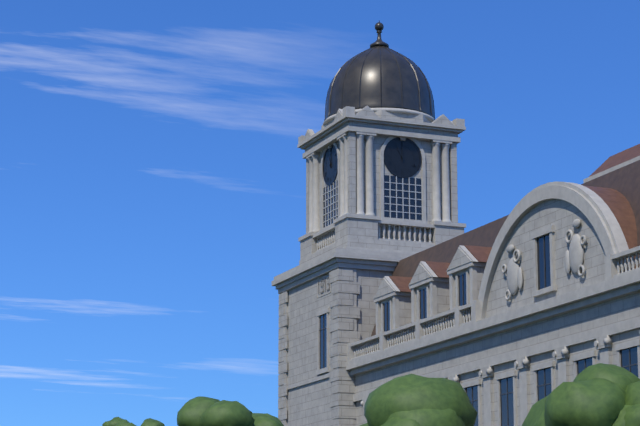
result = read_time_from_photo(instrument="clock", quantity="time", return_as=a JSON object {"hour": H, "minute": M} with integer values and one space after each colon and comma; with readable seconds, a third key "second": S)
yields {"hour": 11, "minute": 0}
